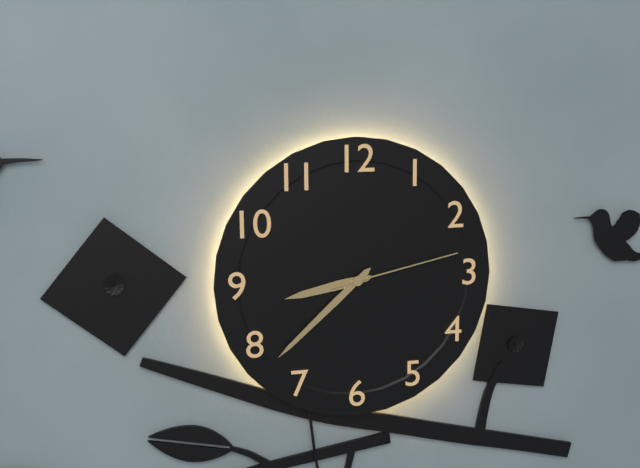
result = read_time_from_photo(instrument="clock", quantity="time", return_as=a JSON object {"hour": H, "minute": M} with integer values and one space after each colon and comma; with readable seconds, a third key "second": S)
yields {"hour": 8, "minute": 38, "second": 13}
